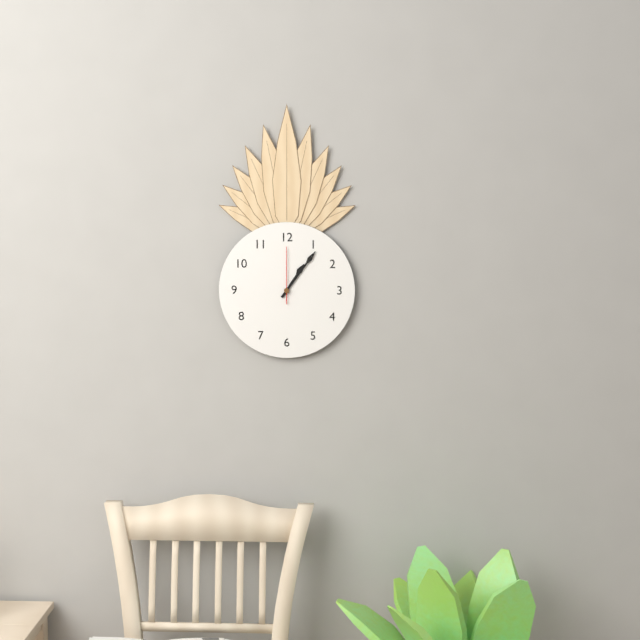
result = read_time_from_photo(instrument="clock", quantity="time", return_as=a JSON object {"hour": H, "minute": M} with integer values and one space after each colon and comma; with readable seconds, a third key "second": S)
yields {"hour": 1, "minute": 6, "second": 0}
